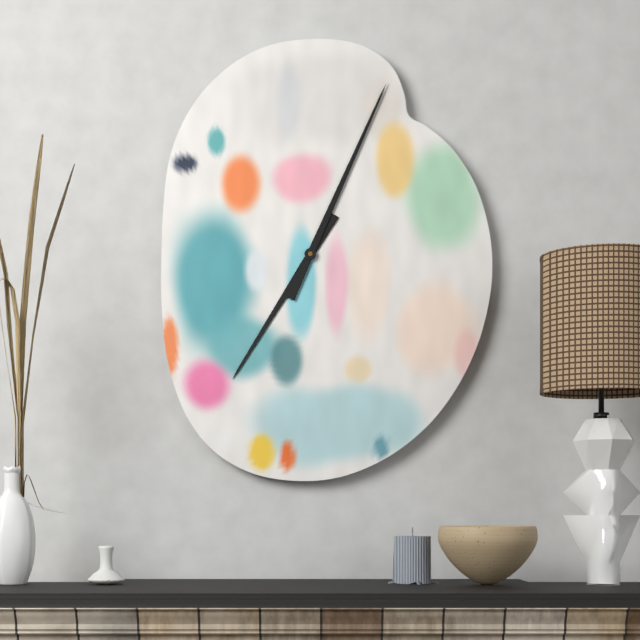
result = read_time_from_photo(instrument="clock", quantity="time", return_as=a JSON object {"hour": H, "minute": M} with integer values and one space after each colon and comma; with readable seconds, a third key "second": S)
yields {"hour": 7, "minute": 4}
